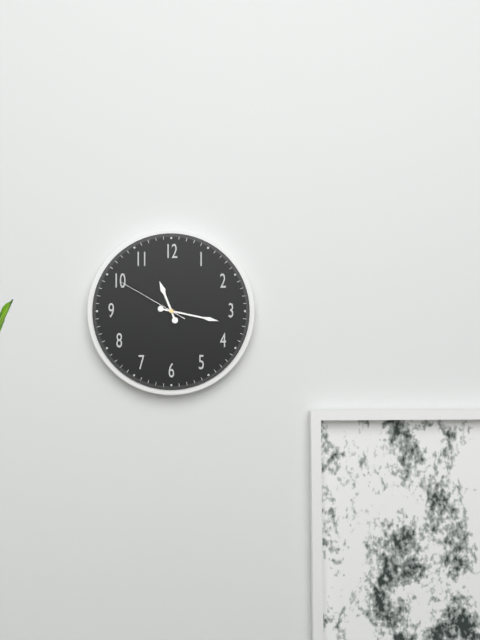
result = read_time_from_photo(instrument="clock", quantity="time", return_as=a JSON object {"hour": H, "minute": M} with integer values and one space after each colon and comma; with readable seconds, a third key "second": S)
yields {"hour": 11, "minute": 17, "second": 50}
